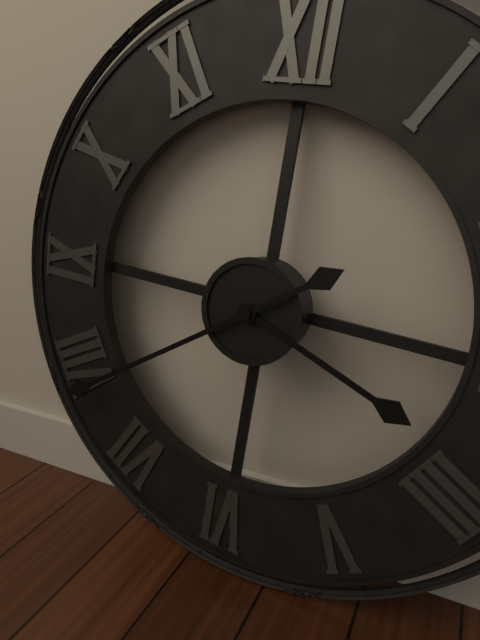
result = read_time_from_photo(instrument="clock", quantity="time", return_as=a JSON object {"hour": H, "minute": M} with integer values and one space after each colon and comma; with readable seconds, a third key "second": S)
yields {"hour": 3, "minute": 39}
